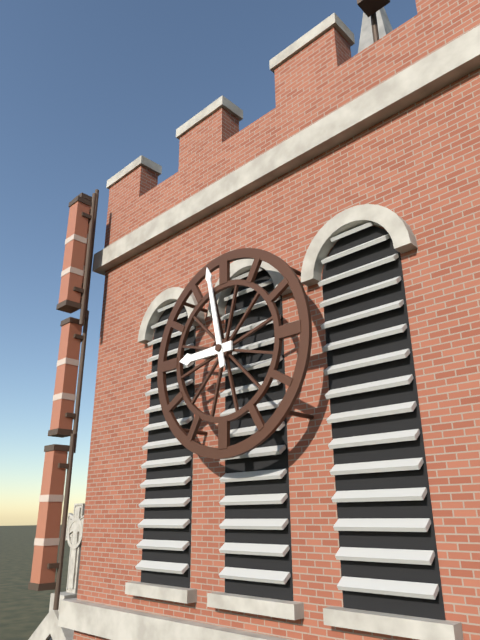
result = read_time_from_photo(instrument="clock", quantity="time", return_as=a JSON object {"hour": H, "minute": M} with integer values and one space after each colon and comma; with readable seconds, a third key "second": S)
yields {"hour": 8, "minute": 58}
